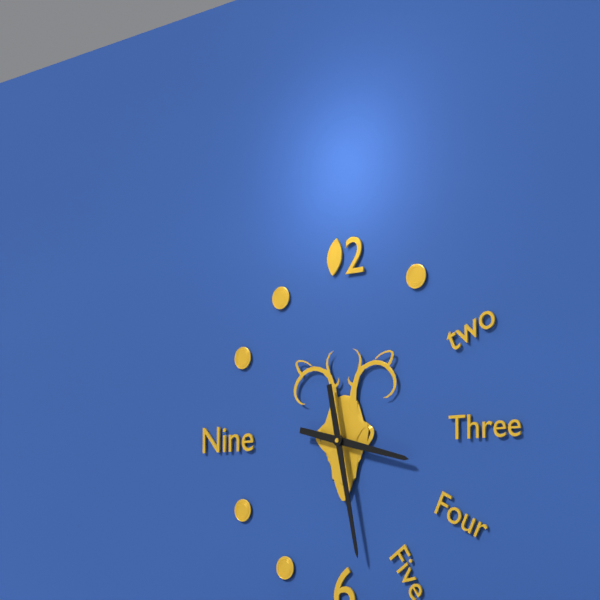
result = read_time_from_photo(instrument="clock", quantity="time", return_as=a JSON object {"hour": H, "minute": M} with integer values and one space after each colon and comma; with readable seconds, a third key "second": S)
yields {"hour": 3, "minute": 28}
